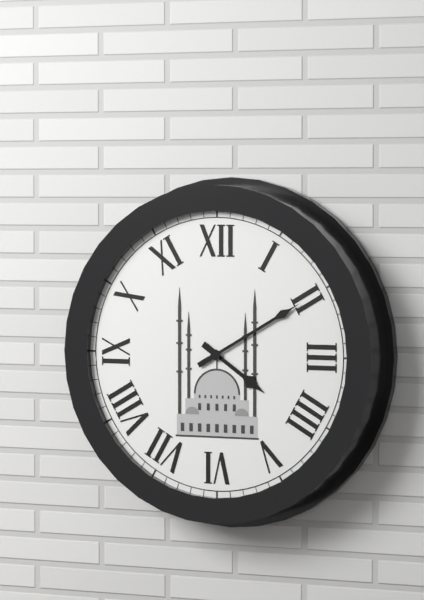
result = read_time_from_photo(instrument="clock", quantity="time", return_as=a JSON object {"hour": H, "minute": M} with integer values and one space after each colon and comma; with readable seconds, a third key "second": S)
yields {"hour": 4, "minute": 10}
